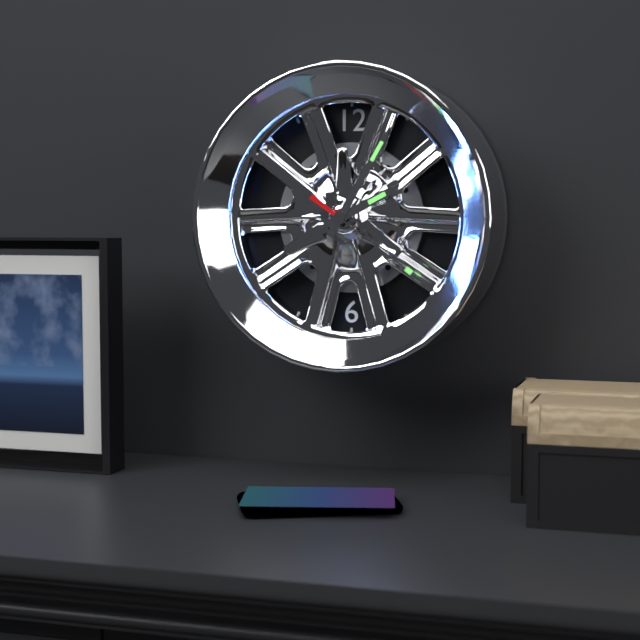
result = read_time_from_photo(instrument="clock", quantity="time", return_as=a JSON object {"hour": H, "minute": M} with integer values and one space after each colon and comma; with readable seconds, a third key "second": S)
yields {"hour": 2, "minute": 5, "second": 21}
